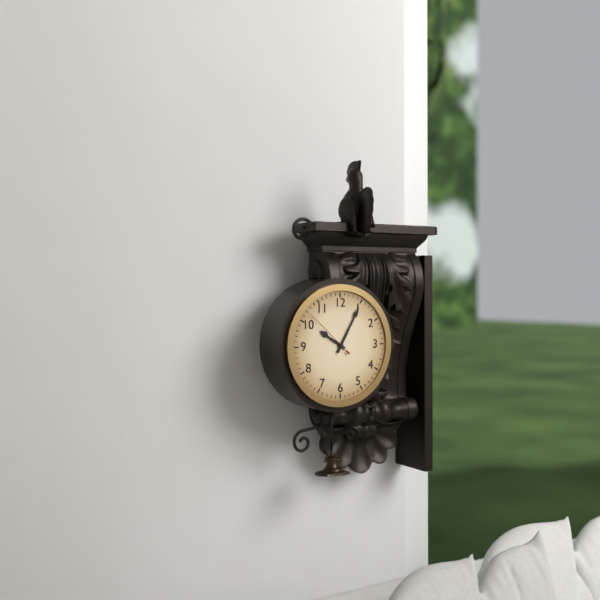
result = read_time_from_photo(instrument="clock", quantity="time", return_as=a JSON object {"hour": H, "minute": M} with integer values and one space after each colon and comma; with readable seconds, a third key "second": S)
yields {"hour": 10, "minute": 5, "second": 52}
